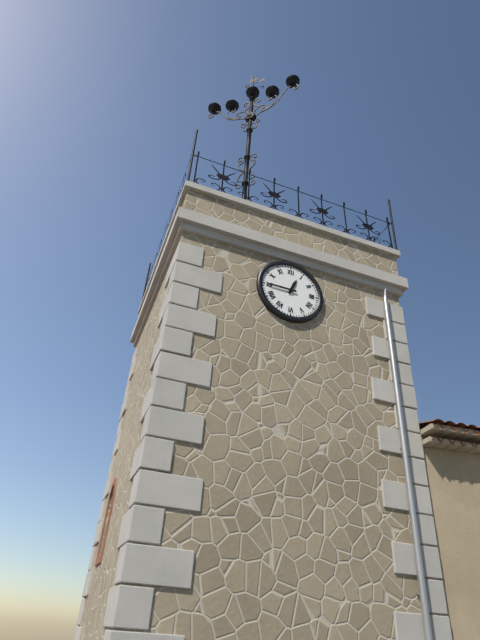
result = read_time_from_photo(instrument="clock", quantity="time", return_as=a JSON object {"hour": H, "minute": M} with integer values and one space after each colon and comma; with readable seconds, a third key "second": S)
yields {"hour": 12, "minute": 45}
